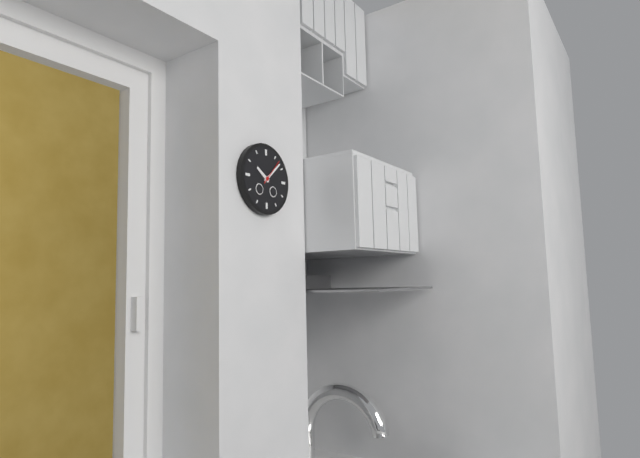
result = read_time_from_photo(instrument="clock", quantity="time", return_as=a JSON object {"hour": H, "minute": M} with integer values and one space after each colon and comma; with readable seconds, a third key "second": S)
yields {"hour": 10, "minute": 8}
